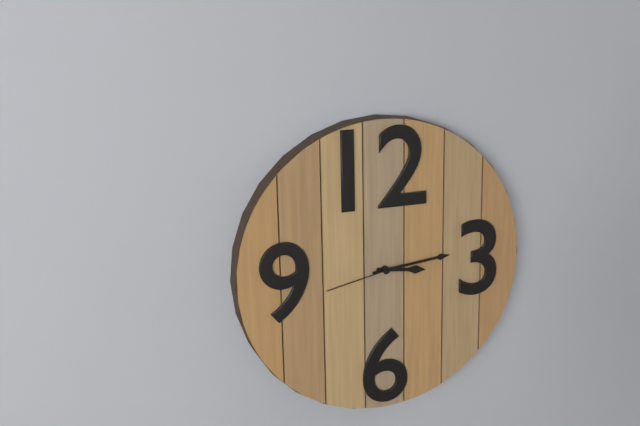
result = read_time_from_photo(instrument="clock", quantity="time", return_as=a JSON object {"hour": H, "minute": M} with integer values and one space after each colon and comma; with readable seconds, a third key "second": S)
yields {"hour": 3, "minute": 14, "second": 43}
